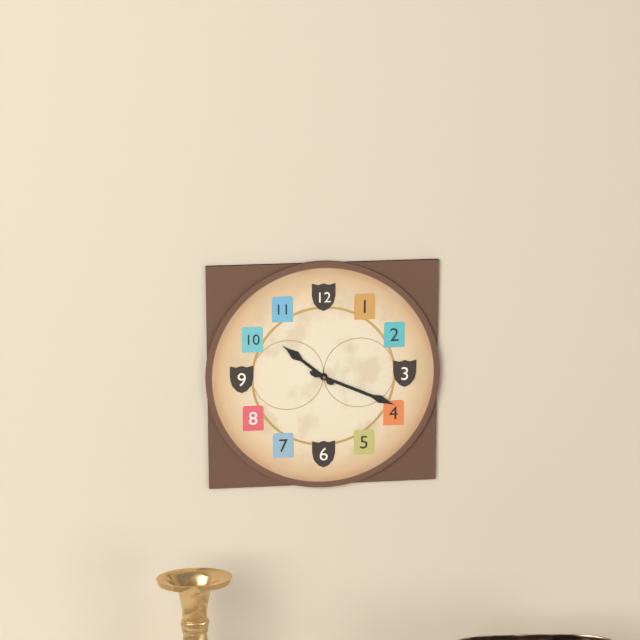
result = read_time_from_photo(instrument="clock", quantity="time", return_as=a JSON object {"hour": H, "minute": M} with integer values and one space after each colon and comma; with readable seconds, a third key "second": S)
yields {"hour": 10, "minute": 19}
